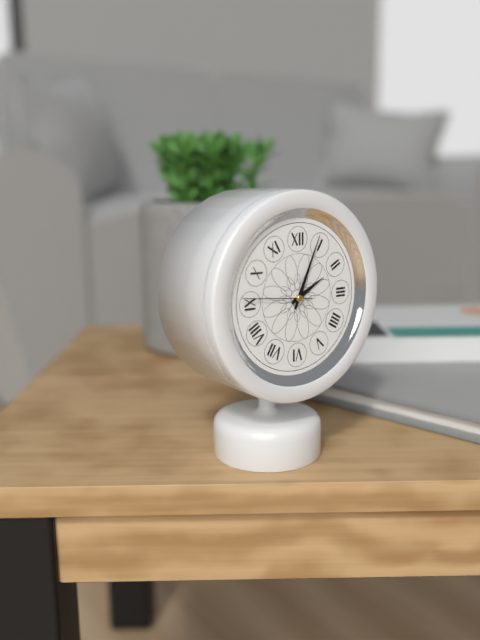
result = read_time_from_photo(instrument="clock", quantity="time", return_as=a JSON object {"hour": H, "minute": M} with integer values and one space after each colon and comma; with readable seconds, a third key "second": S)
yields {"hour": 2, "minute": 4, "second": 46}
